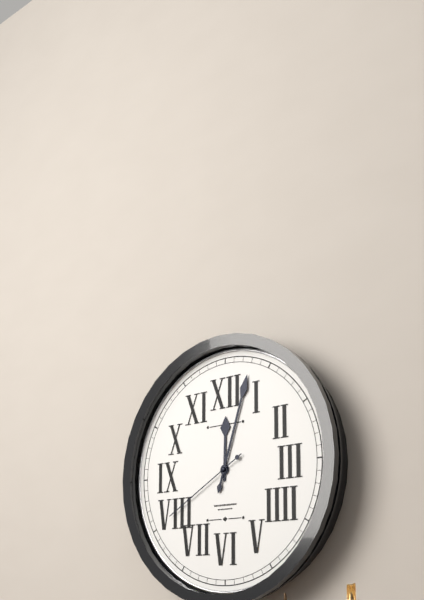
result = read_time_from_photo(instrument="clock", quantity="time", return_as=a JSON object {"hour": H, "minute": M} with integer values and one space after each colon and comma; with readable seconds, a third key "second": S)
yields {"hour": 12, "minute": 3, "second": 40}
